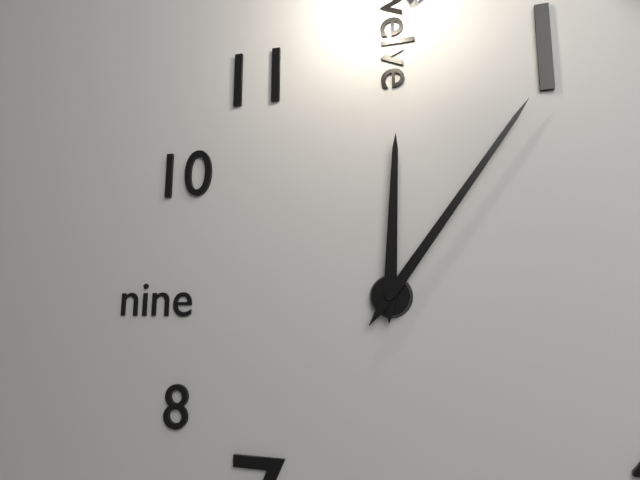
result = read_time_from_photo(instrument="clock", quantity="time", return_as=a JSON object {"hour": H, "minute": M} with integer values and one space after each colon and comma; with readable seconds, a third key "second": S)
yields {"hour": 12, "minute": 6}
